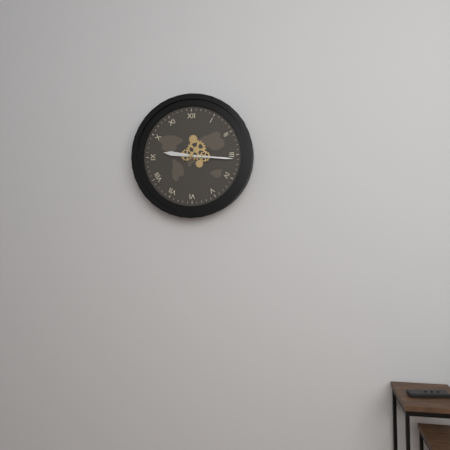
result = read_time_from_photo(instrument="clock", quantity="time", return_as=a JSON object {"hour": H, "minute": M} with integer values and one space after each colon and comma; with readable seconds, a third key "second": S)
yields {"hour": 9, "minute": 16}
